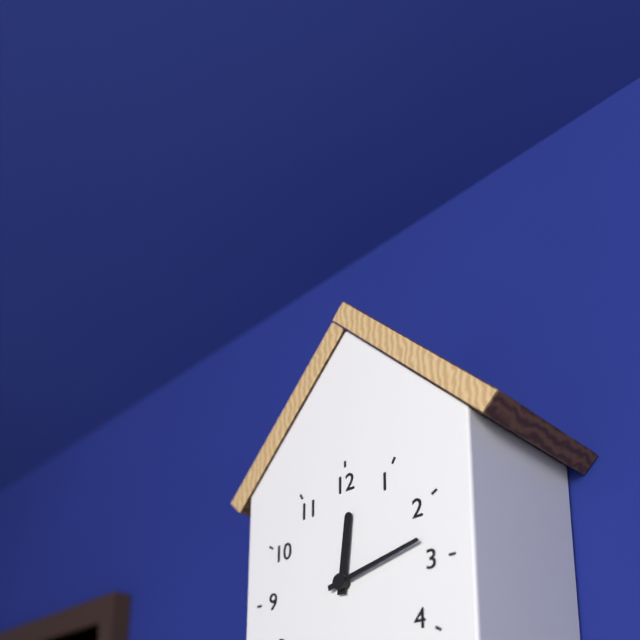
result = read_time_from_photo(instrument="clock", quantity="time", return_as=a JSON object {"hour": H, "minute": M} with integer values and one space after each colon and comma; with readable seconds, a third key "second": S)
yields {"hour": 12, "minute": 13}
